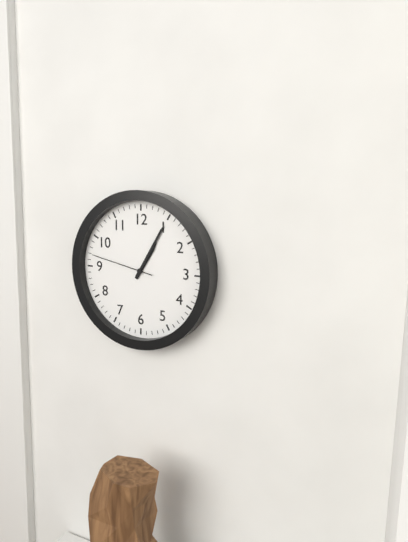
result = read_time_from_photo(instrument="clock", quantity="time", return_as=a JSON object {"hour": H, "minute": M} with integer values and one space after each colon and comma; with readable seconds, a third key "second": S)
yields {"hour": 1, "minute": 5, "second": 47}
